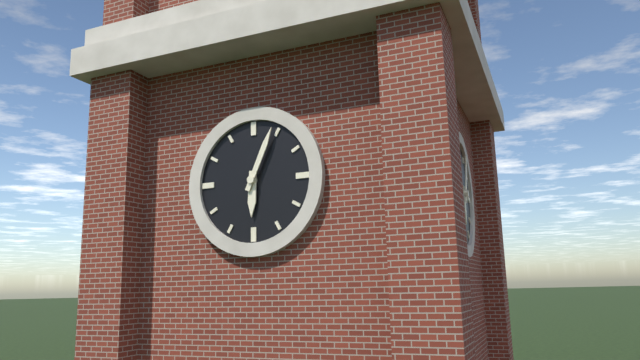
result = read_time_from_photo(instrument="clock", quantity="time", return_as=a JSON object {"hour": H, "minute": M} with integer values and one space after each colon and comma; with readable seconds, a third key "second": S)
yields {"hour": 6, "minute": 4}
